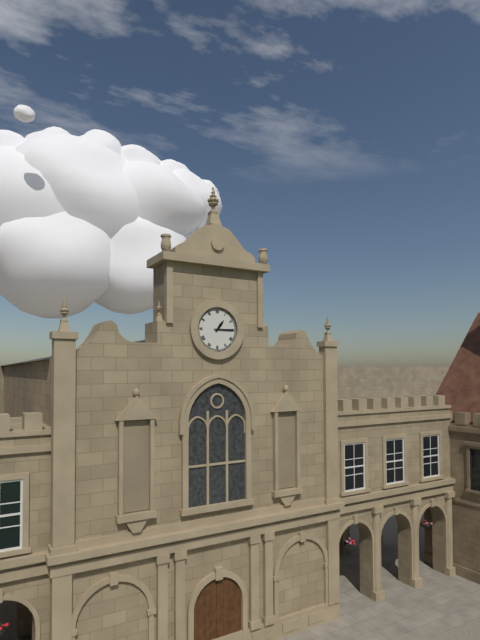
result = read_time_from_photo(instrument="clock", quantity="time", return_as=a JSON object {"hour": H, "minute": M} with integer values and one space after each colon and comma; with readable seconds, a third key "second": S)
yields {"hour": 1, "minute": 15}
